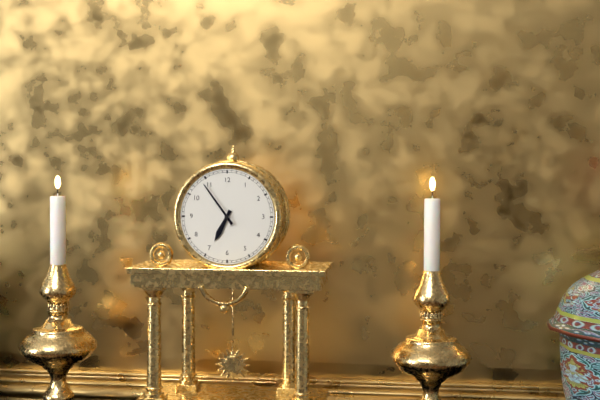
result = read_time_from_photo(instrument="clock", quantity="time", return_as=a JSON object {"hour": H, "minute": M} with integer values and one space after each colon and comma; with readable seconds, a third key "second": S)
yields {"hour": 6, "minute": 54}
